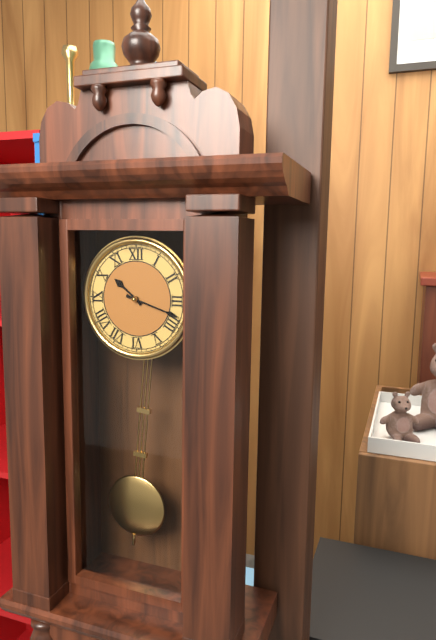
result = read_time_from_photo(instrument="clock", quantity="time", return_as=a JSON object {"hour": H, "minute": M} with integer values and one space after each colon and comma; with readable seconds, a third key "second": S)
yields {"hour": 10, "minute": 18}
